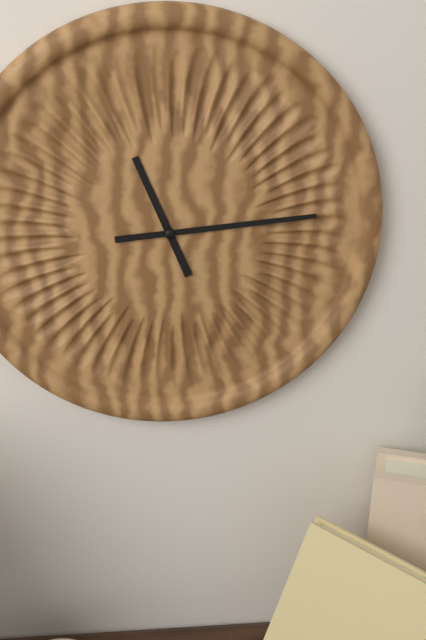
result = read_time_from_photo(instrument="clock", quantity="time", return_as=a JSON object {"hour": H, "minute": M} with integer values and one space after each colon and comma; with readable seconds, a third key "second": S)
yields {"hour": 11, "minute": 14}
